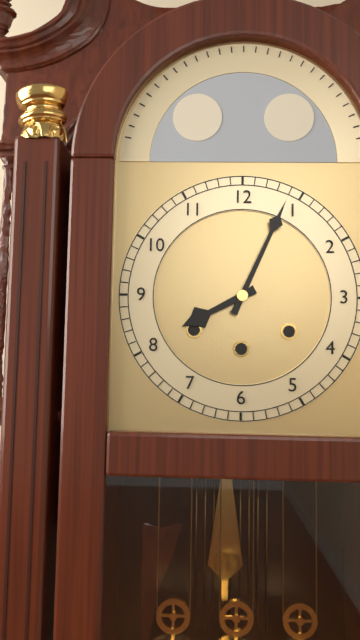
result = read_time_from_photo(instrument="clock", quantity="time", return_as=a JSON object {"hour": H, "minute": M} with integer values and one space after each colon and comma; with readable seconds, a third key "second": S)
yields {"hour": 8, "minute": 4}
